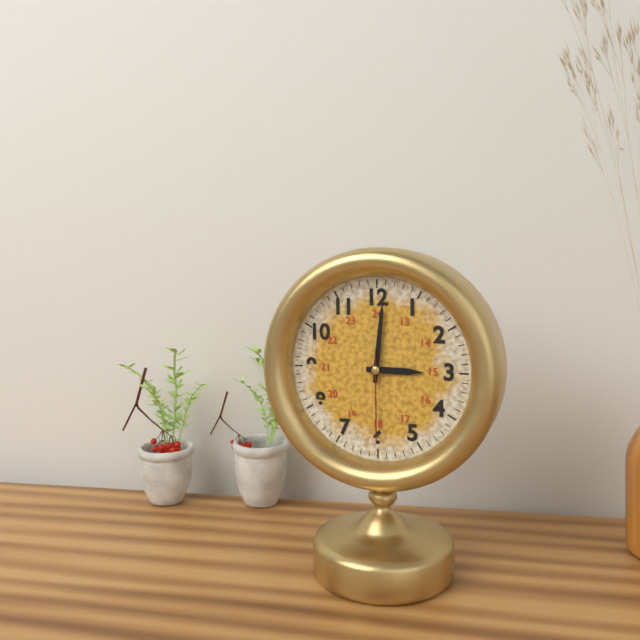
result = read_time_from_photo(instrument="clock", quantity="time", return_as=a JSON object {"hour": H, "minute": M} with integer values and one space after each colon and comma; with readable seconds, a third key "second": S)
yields {"hour": 3, "minute": 1, "second": 30}
